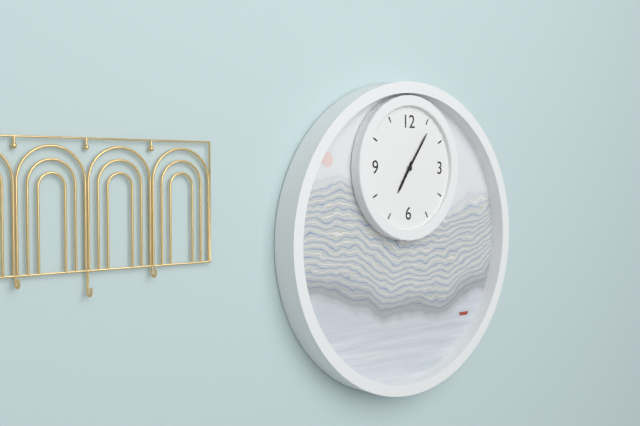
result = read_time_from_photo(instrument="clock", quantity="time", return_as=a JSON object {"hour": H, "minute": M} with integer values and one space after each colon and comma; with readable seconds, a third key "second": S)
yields {"hour": 7, "minute": 6}
